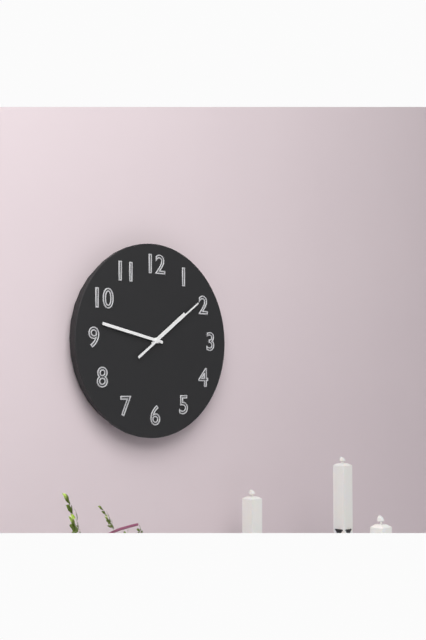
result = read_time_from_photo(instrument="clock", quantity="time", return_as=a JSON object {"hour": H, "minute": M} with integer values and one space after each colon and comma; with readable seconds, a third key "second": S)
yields {"hour": 1, "minute": 47, "second": 9}
